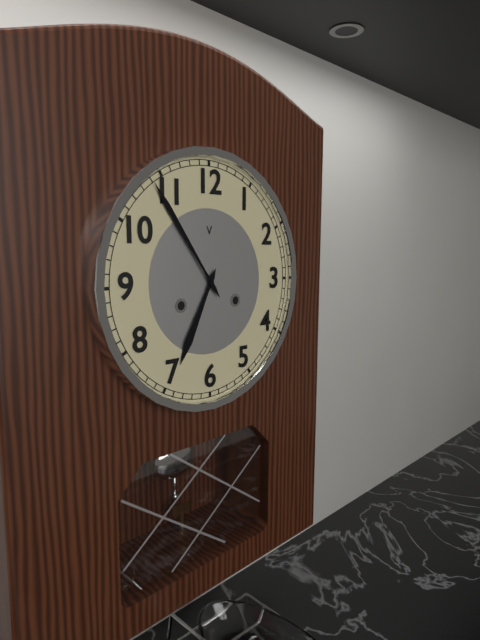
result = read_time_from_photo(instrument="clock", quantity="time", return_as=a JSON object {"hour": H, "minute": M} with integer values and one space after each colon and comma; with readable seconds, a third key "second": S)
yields {"hour": 6, "minute": 54}
